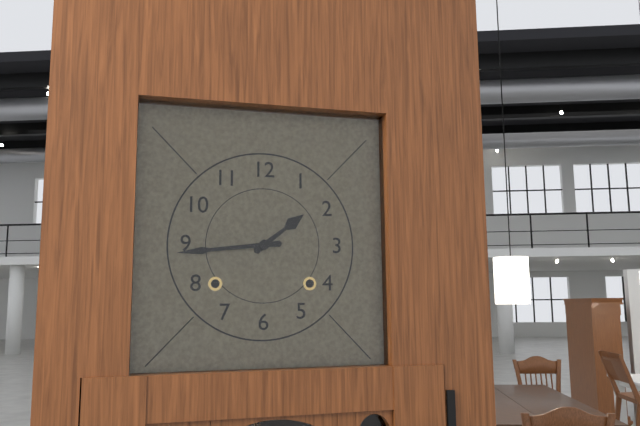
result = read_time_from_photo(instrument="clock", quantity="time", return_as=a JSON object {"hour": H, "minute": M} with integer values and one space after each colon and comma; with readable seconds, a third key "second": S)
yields {"hour": 1, "minute": 44}
